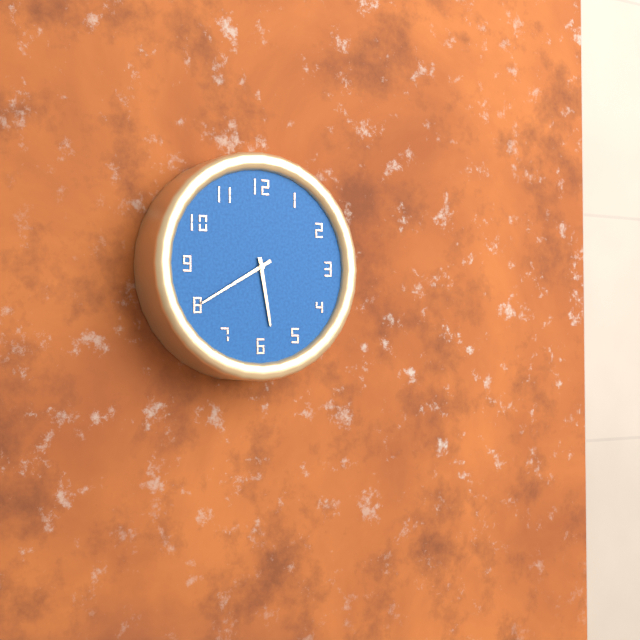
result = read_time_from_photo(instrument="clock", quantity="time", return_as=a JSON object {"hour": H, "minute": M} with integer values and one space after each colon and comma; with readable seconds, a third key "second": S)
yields {"hour": 5, "minute": 40}
